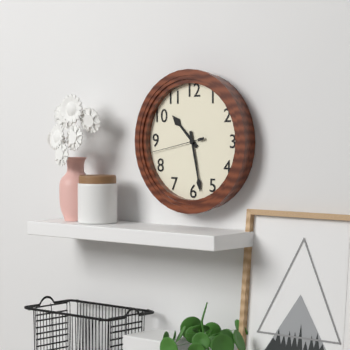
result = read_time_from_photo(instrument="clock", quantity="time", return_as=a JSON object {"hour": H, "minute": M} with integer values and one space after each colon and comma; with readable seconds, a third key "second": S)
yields {"hour": 10, "minute": 28, "second": 43}
